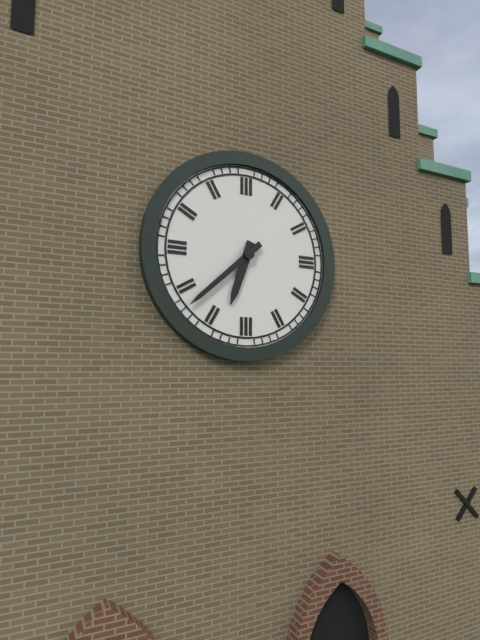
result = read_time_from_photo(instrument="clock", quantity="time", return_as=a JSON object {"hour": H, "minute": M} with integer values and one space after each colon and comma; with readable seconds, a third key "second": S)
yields {"hour": 6, "minute": 38}
